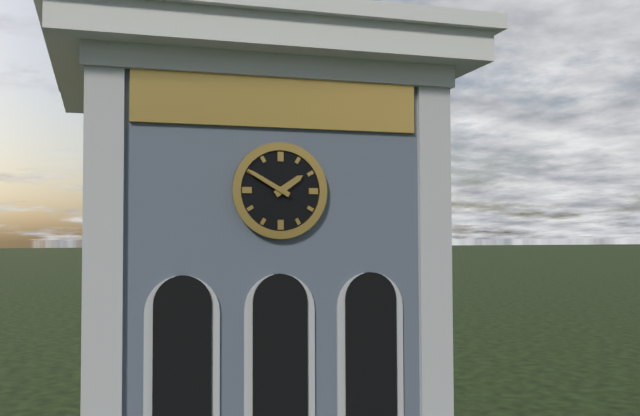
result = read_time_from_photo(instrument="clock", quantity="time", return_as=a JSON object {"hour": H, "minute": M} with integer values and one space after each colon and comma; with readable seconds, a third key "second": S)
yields {"hour": 1, "minute": 50}
